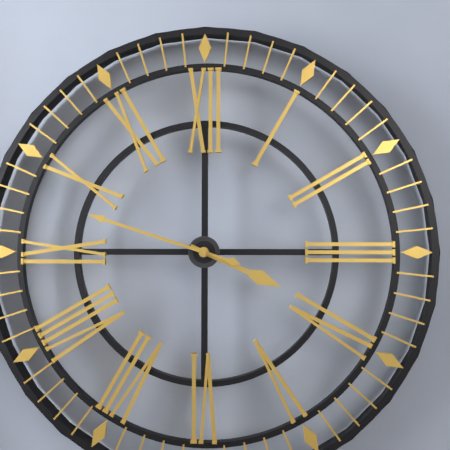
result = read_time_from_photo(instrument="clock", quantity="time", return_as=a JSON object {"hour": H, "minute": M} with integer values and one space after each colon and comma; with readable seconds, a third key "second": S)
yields {"hour": 3, "minute": 48}
